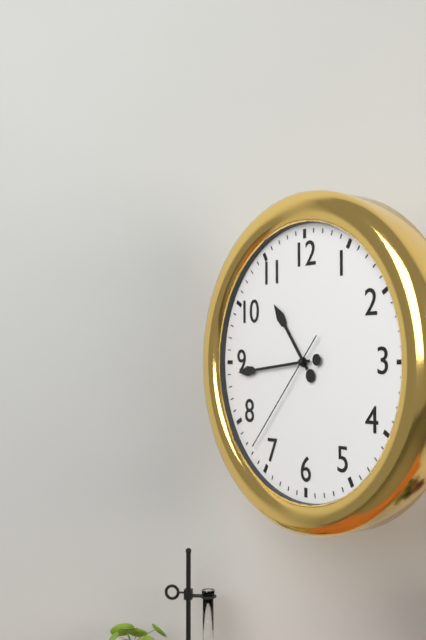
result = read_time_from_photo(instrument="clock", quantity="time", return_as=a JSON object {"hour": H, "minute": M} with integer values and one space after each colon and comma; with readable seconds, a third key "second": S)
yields {"hour": 10, "minute": 44, "second": 37}
